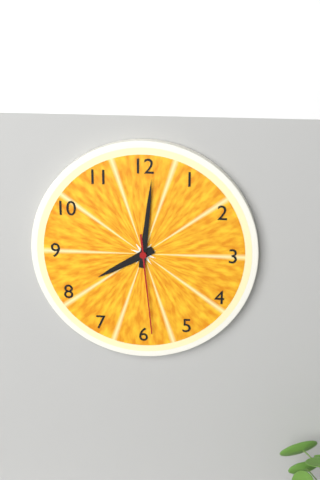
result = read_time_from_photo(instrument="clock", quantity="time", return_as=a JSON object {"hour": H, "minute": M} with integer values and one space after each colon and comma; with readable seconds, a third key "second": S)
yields {"hour": 8, "minute": 1, "second": 29}
